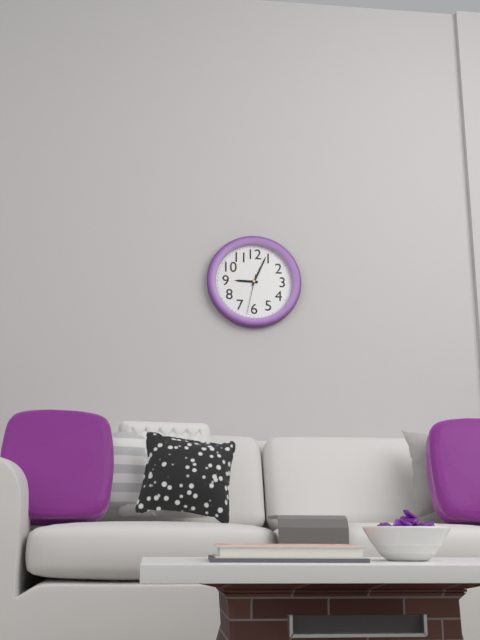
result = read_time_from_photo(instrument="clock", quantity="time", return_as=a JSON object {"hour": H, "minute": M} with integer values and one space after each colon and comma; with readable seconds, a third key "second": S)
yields {"hour": 9, "minute": 4}
